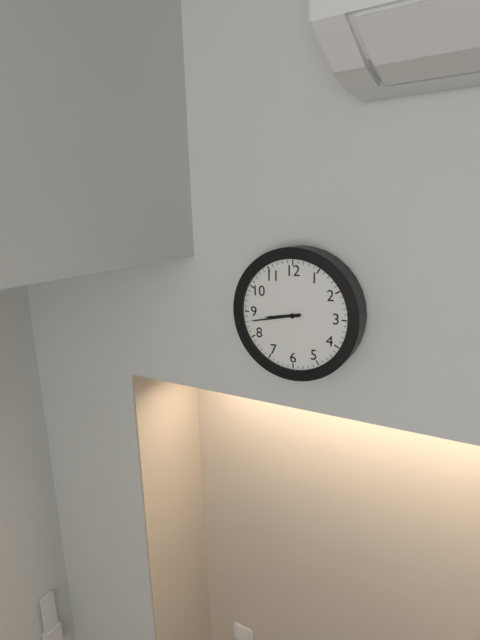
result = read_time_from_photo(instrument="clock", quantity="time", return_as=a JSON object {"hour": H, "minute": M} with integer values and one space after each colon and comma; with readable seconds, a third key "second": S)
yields {"hour": 8, "minute": 43}
